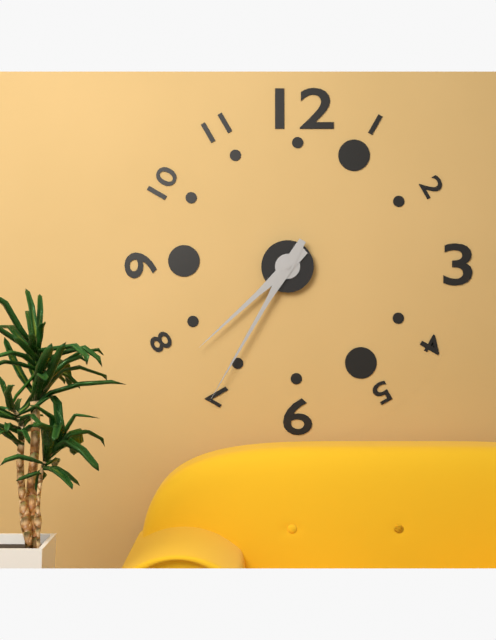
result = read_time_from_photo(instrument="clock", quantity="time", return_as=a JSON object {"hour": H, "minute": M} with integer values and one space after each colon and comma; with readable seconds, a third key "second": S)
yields {"hour": 7, "minute": 35}
